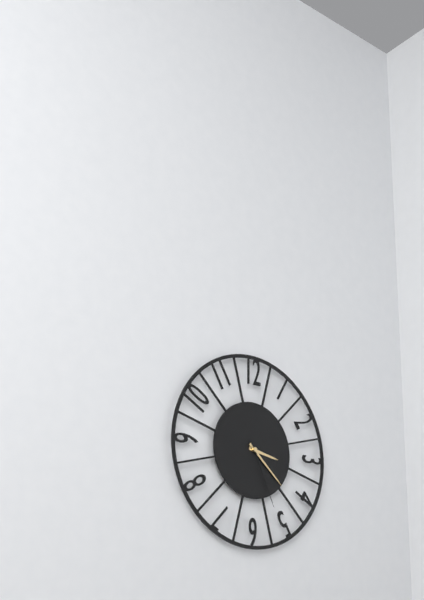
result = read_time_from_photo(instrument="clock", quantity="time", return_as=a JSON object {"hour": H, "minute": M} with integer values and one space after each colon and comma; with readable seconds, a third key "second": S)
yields {"hour": 3, "minute": 22, "second": 26}
